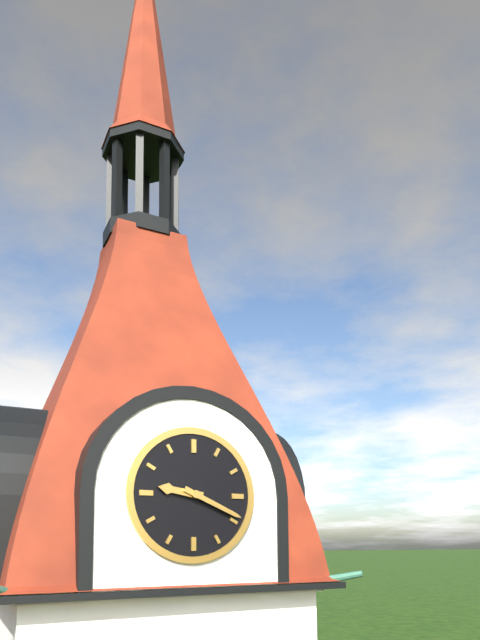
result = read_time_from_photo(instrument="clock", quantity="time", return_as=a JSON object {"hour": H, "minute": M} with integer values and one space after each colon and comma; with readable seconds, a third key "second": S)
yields {"hour": 9, "minute": 19}
